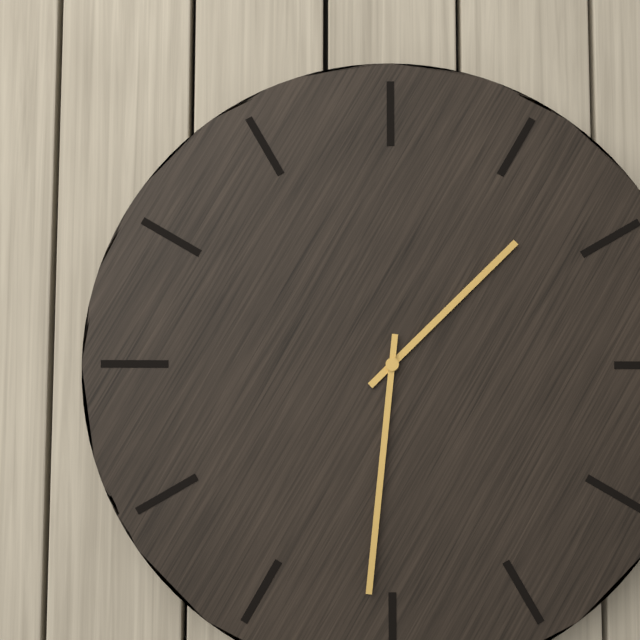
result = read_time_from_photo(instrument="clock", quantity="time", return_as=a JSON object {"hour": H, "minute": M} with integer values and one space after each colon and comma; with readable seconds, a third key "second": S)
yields {"hour": 1, "minute": 31}
